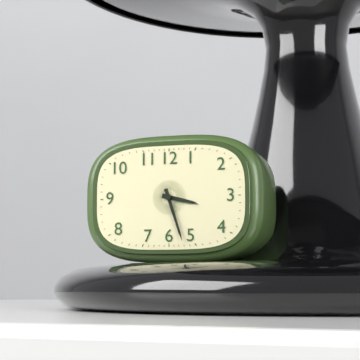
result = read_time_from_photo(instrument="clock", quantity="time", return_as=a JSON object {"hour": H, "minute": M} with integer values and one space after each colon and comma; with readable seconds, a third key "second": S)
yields {"hour": 3, "minute": 27}
